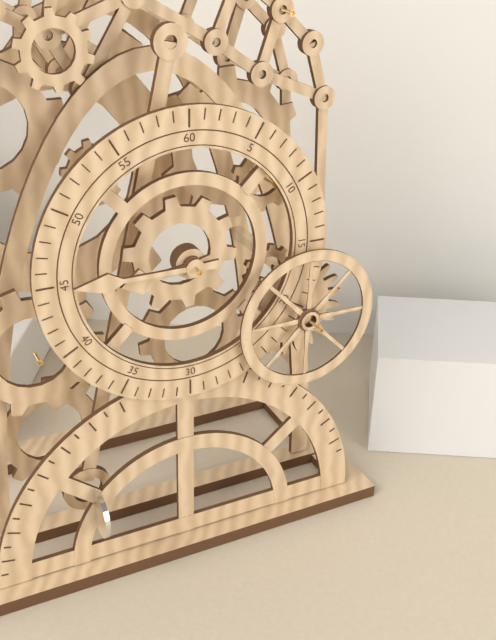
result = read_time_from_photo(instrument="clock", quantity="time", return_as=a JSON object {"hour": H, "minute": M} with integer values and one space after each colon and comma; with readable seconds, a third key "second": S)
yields {"hour": 8, "minute": 45}
